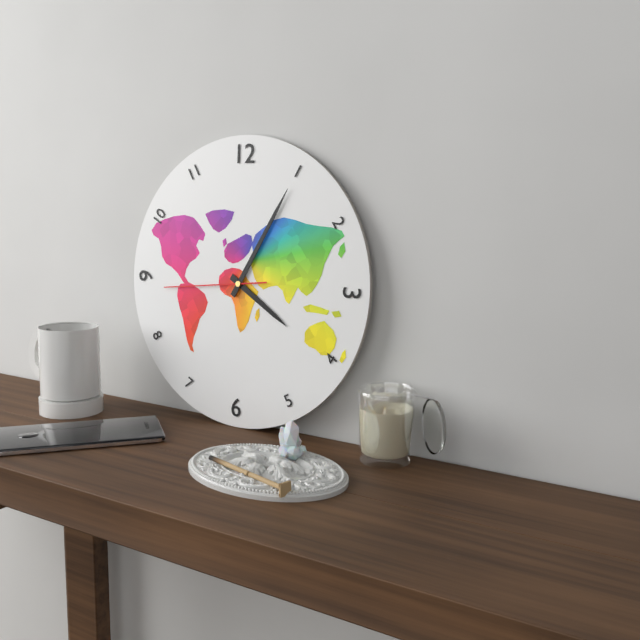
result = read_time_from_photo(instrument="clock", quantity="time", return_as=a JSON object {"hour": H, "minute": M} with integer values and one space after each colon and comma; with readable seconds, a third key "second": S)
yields {"hour": 4, "minute": 5, "second": 44}
